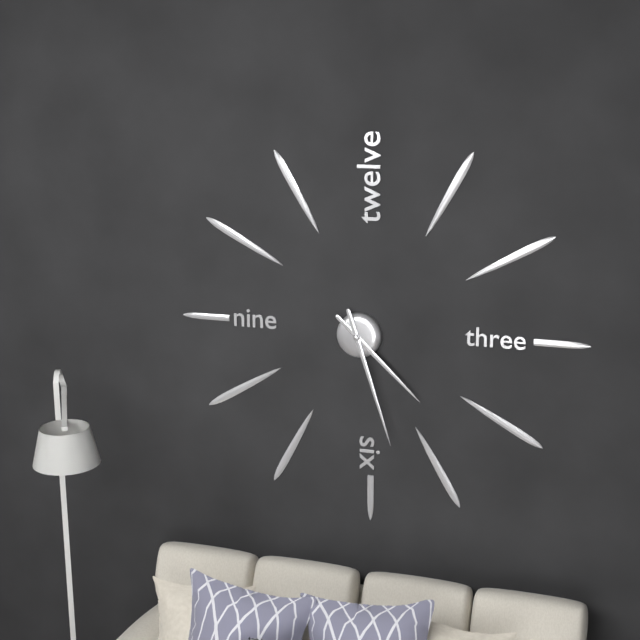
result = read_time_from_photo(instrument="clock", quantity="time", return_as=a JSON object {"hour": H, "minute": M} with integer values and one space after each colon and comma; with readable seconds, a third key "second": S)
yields {"hour": 4, "minute": 27}
